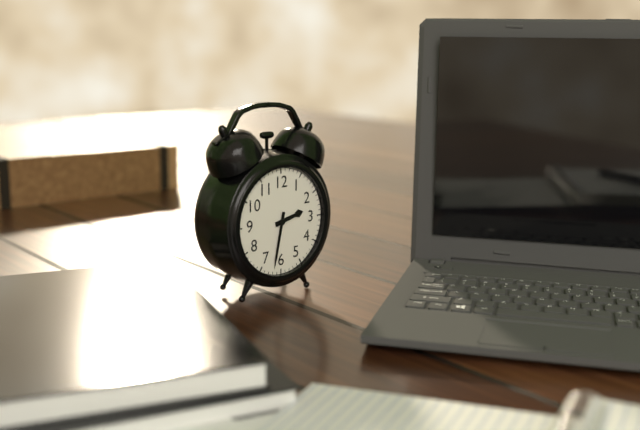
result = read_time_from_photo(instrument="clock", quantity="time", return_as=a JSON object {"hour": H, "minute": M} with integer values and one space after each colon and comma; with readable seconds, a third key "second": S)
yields {"hour": 2, "minute": 32}
